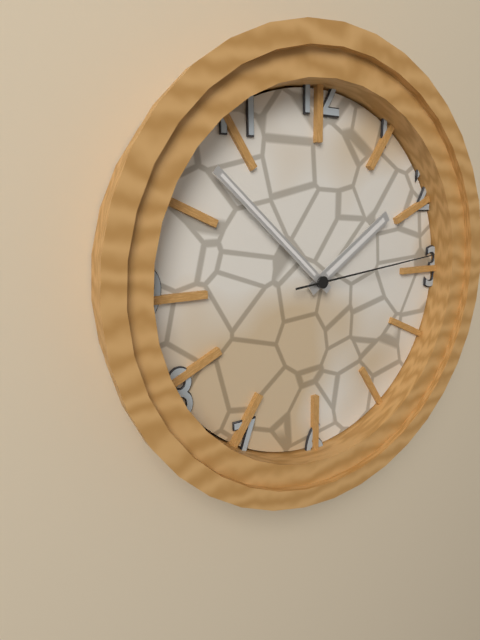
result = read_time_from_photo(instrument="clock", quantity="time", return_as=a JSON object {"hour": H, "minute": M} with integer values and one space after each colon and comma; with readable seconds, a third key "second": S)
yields {"hour": 1, "minute": 52, "second": 14}
